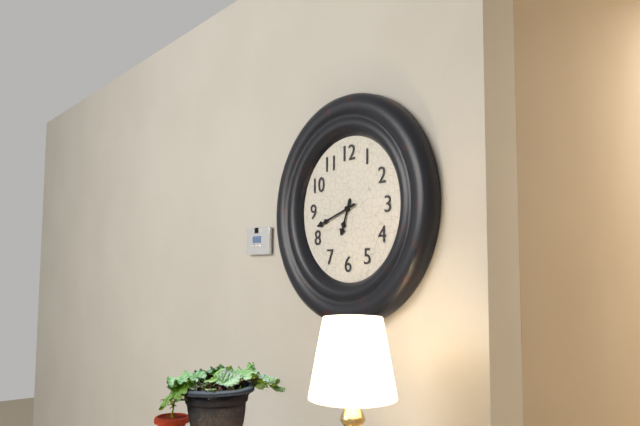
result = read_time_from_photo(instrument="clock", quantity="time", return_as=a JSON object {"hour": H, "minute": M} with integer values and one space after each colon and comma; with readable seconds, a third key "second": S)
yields {"hour": 6, "minute": 42}
